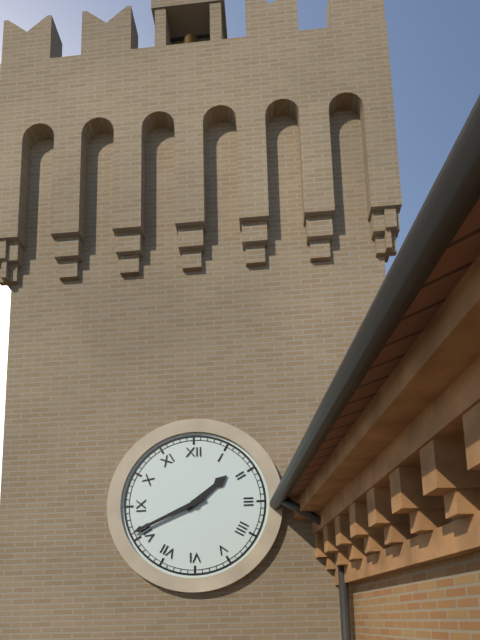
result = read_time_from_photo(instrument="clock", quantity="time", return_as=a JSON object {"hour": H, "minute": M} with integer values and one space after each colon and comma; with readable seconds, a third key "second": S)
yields {"hour": 1, "minute": 41}
